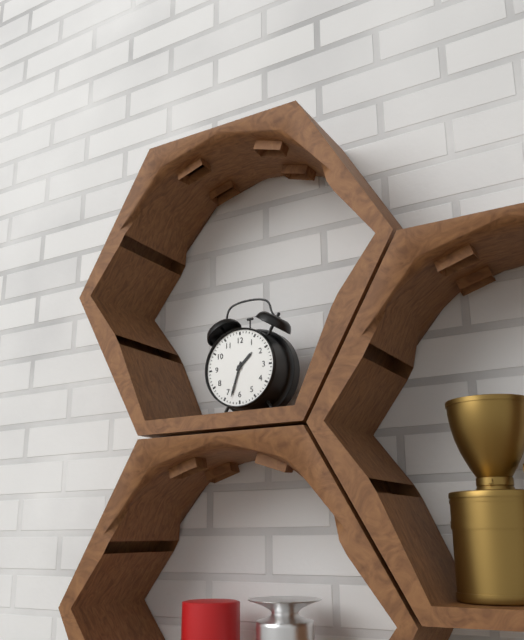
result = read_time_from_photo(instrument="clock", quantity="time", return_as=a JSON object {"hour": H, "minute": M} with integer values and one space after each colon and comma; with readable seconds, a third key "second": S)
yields {"hour": 1, "minute": 33}
